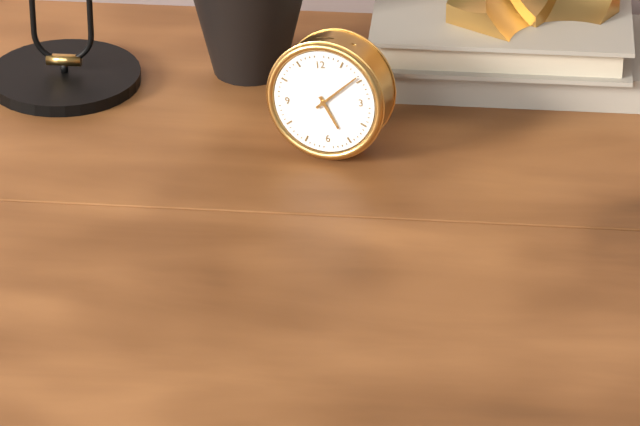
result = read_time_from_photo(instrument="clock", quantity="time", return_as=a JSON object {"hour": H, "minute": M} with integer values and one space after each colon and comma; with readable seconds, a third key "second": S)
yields {"hour": 5, "minute": 9}
